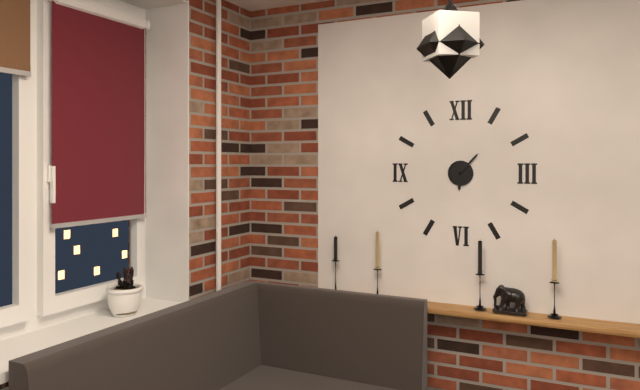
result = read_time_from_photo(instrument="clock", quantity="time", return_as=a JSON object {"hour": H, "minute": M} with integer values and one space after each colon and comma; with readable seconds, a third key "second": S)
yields {"hour": 6, "minute": 7}
